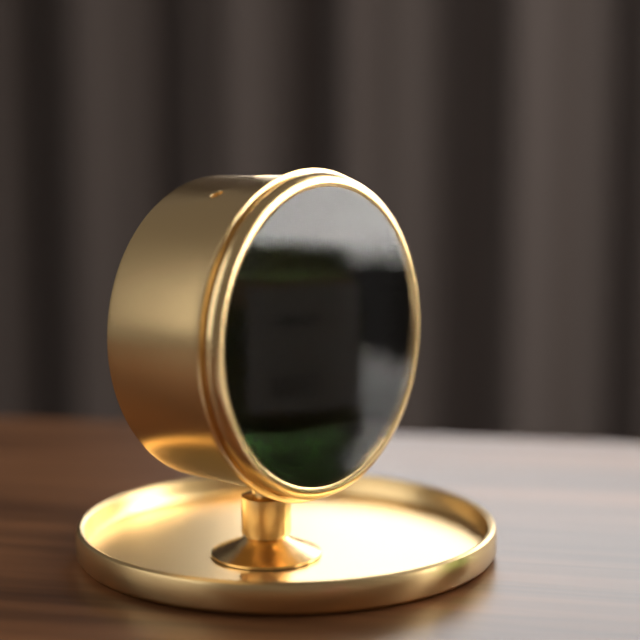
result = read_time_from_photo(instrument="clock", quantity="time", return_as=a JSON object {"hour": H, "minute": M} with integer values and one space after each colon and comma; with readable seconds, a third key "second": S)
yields {"hour": 8, "minute": 52, "second": 56}
